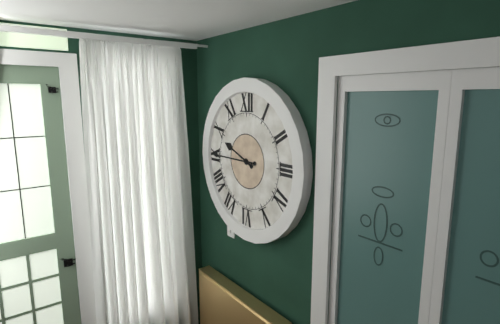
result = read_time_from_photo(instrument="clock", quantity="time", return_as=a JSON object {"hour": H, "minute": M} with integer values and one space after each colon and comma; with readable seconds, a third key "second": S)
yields {"hour": 9, "minute": 45}
